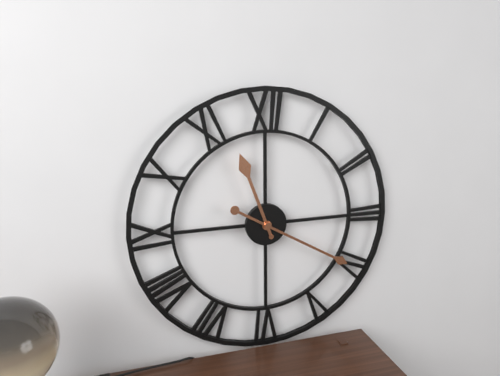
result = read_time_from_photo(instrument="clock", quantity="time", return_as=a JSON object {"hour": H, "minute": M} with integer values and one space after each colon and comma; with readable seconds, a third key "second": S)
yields {"hour": 11, "minute": 20}
